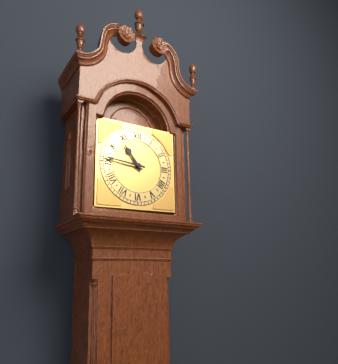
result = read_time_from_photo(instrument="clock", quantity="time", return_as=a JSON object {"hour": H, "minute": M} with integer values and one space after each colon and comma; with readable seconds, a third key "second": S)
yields {"hour": 10, "minute": 46}
